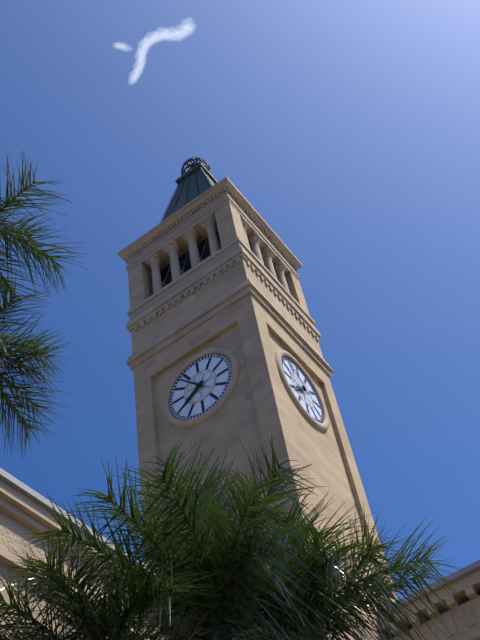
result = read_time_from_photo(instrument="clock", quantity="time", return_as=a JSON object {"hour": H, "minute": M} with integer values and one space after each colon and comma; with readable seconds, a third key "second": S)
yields {"hour": 7, "minute": 53}
